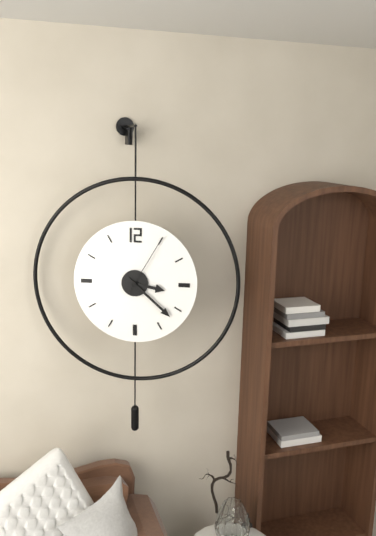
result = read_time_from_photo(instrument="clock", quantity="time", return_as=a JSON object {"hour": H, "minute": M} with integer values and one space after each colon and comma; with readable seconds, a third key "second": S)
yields {"hour": 3, "minute": 22, "second": 5}
